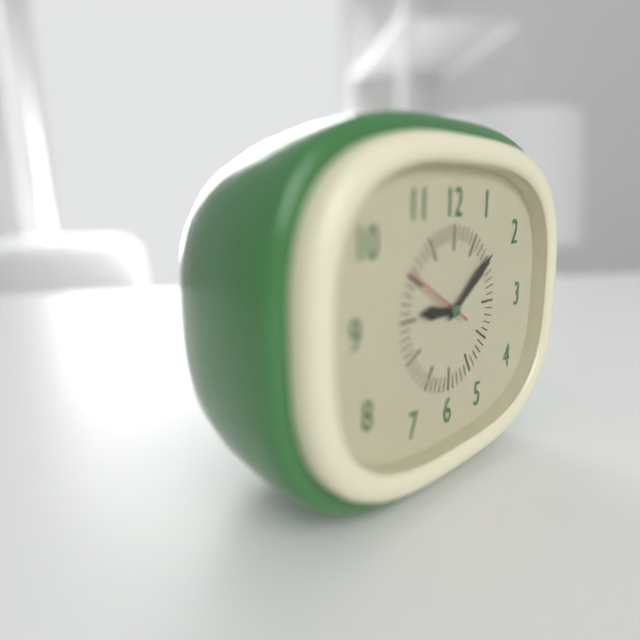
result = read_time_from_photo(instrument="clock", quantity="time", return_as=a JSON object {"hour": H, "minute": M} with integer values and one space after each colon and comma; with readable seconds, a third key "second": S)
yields {"hour": 9, "minute": 9, "second": 50}
